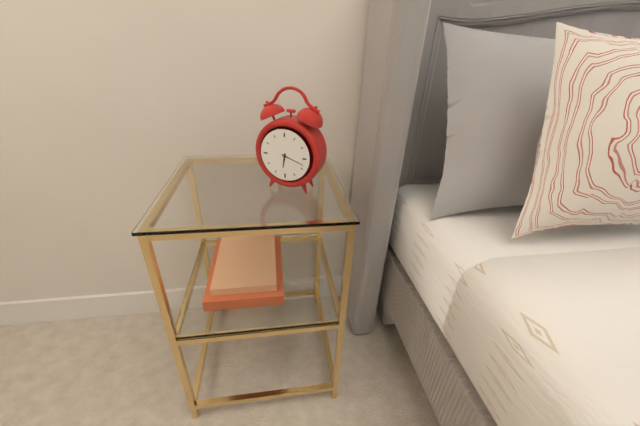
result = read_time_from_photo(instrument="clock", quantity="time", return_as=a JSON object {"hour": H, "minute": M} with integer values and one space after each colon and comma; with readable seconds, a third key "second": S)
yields {"hour": 6, "minute": 18}
